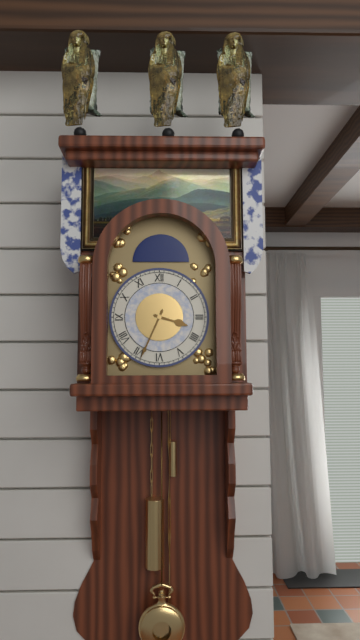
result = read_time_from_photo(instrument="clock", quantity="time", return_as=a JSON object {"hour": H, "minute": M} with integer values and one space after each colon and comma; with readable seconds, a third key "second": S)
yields {"hour": 3, "minute": 34}
